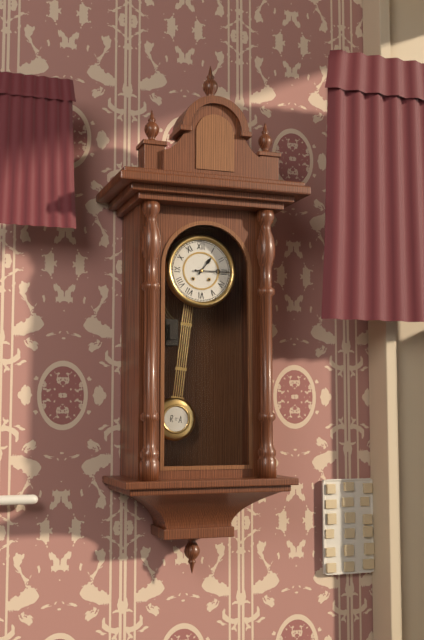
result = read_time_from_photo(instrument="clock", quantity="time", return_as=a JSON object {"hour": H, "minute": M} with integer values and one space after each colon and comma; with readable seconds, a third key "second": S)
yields {"hour": 1, "minute": 15}
